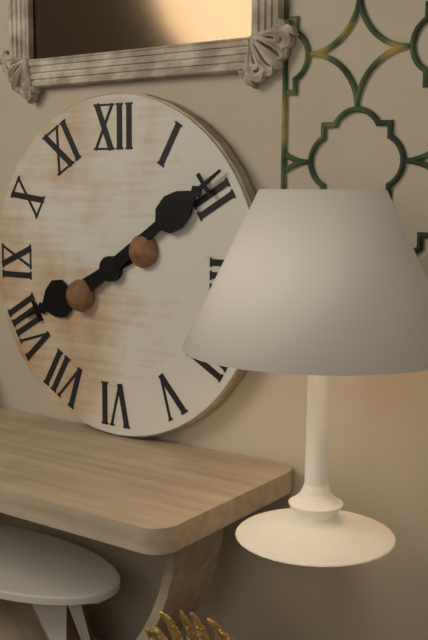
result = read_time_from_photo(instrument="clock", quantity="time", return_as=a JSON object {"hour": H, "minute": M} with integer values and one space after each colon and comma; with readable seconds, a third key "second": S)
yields {"hour": 8, "minute": 9}
